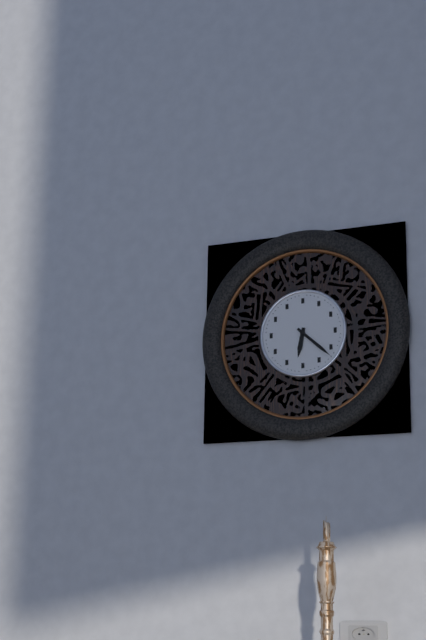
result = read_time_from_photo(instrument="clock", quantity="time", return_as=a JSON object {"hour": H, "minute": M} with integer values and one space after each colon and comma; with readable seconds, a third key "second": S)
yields {"hour": 6, "minute": 22}
